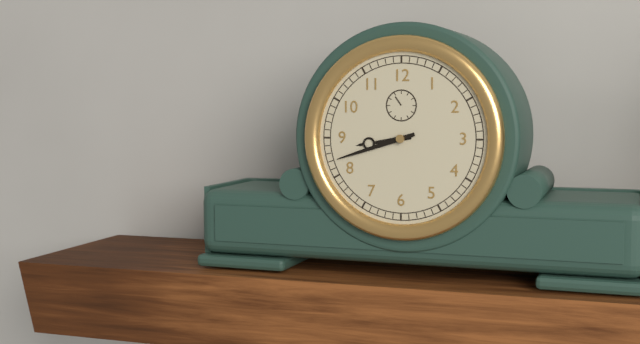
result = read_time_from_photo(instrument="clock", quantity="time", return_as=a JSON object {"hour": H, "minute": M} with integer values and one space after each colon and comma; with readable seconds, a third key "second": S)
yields {"hour": 8, "minute": 42}
